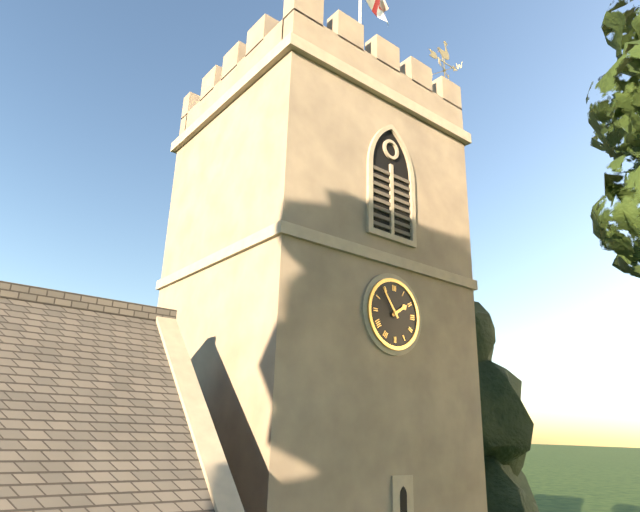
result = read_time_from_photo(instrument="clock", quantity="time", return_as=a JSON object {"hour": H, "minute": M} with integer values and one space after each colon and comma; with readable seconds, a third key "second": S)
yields {"hour": 1, "minute": 54}
